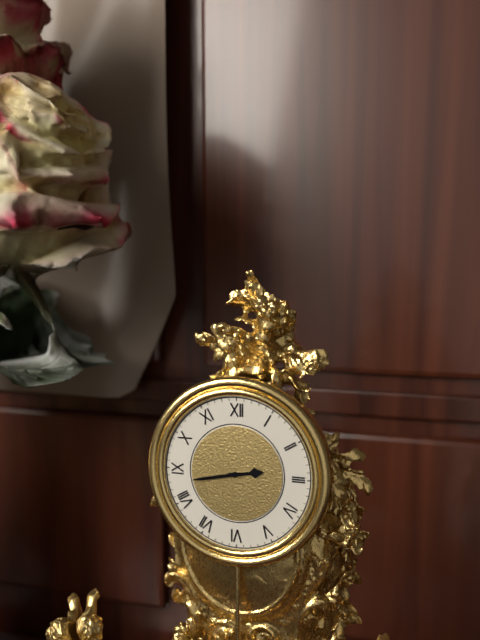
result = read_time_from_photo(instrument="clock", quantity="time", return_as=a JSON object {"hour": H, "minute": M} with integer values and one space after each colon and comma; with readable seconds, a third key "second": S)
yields {"hour": 2, "minute": 43}
